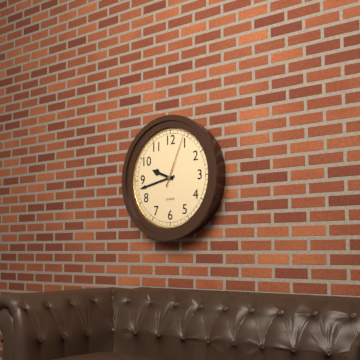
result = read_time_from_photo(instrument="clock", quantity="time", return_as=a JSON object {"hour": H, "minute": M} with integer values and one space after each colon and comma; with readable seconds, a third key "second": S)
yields {"hour": 9, "minute": 43, "second": 4}
